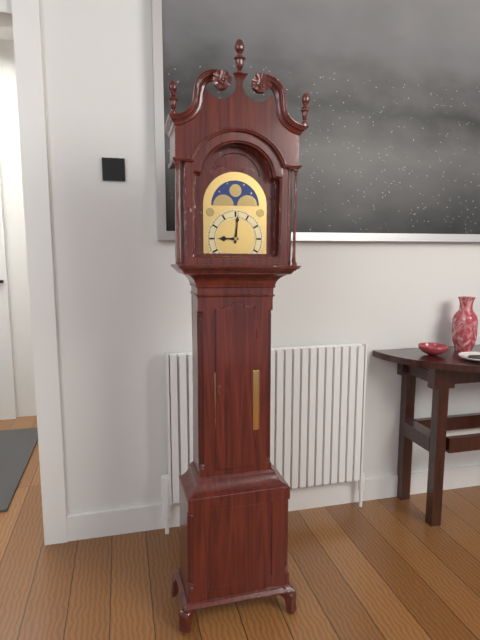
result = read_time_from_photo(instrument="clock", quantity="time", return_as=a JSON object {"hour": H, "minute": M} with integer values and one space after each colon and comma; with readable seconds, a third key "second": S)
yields {"hour": 9, "minute": 1}
